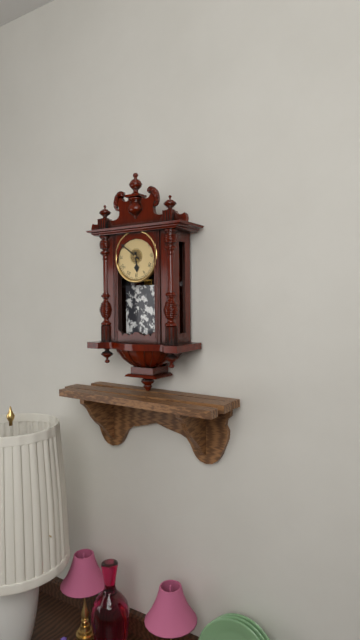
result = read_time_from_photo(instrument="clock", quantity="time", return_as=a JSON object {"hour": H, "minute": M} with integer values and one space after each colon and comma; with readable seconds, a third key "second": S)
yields {"hour": 5, "minute": 51}
